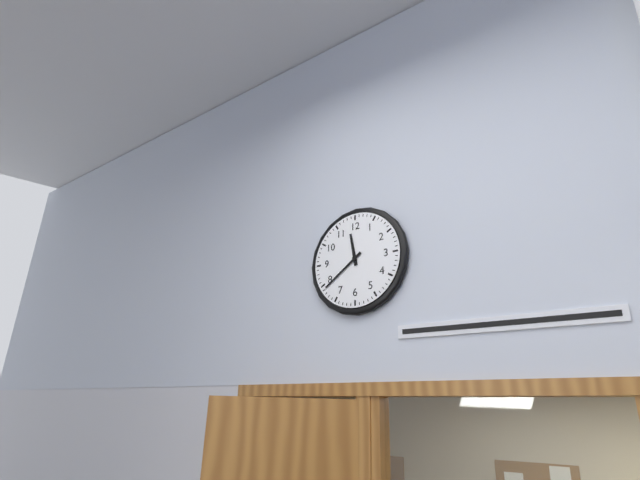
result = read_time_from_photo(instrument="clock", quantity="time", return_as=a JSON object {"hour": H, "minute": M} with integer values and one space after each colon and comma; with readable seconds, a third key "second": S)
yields {"hour": 11, "minute": 39}
